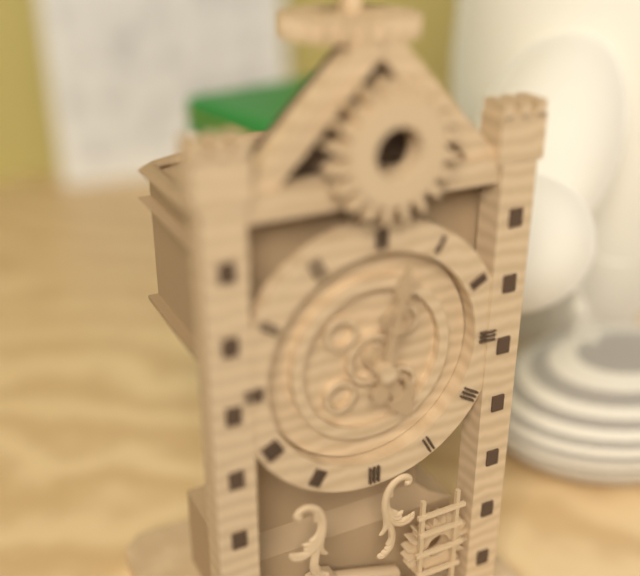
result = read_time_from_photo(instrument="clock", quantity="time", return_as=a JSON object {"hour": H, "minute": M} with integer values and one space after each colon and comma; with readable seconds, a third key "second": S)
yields {"hour": 5, "minute": 2}
